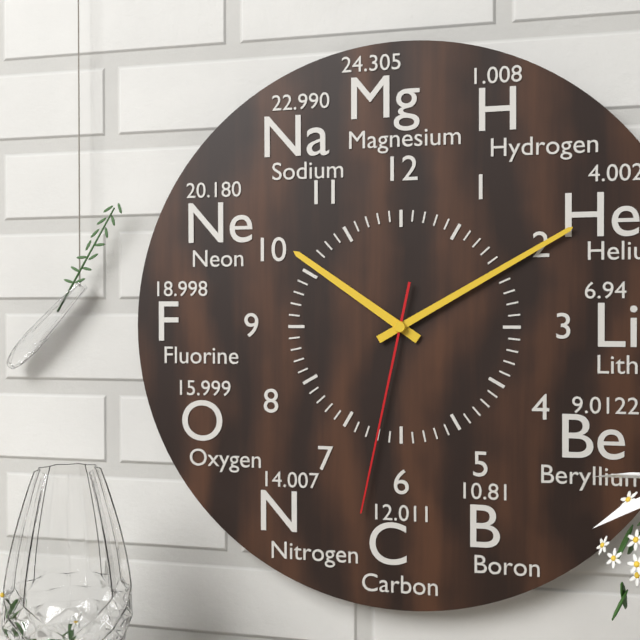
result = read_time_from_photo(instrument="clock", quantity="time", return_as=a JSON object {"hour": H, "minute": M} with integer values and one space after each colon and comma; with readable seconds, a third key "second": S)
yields {"hour": 10, "minute": 10, "second": 32}
